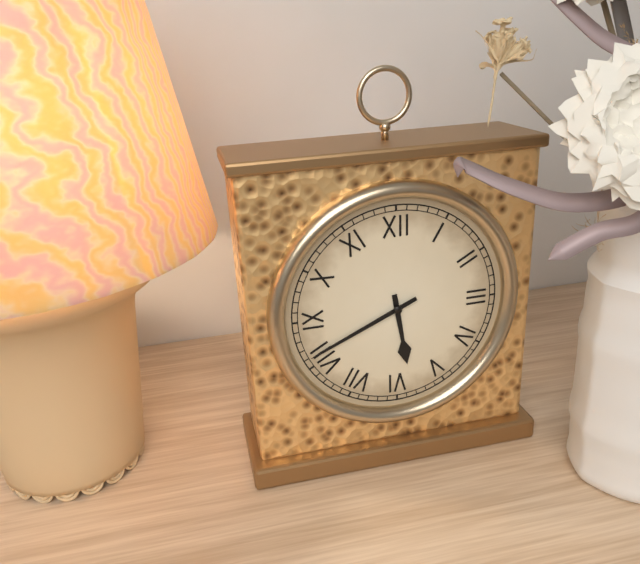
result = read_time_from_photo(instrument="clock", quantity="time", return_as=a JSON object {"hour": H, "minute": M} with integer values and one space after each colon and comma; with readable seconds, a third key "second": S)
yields {"hour": 5, "minute": 41}
